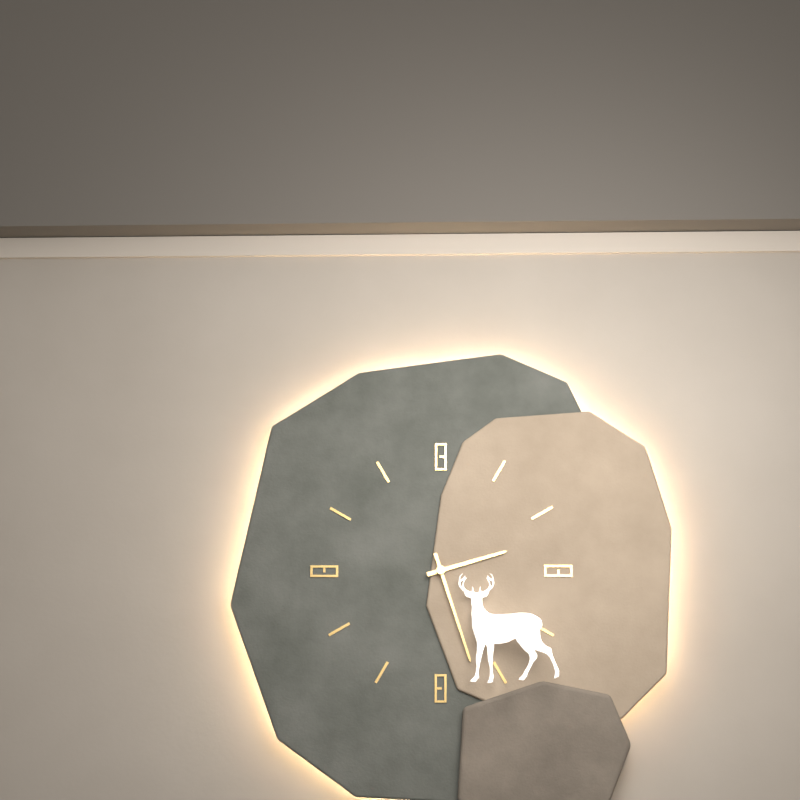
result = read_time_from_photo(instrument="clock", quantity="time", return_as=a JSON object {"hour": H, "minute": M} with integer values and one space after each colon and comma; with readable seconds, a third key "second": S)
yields {"hour": 2, "minute": 27}
